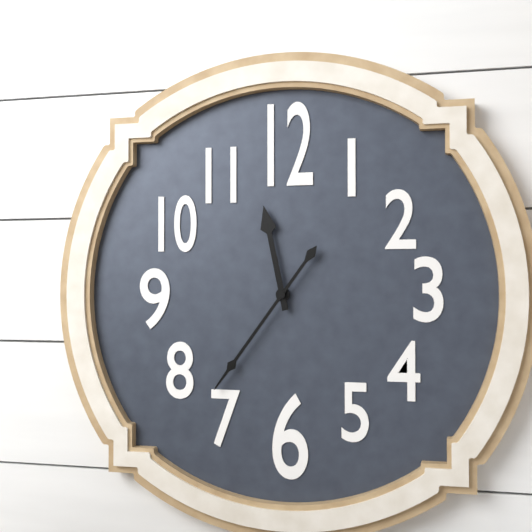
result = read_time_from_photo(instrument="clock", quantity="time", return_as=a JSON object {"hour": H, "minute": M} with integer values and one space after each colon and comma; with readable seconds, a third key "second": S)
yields {"hour": 11, "minute": 36}
